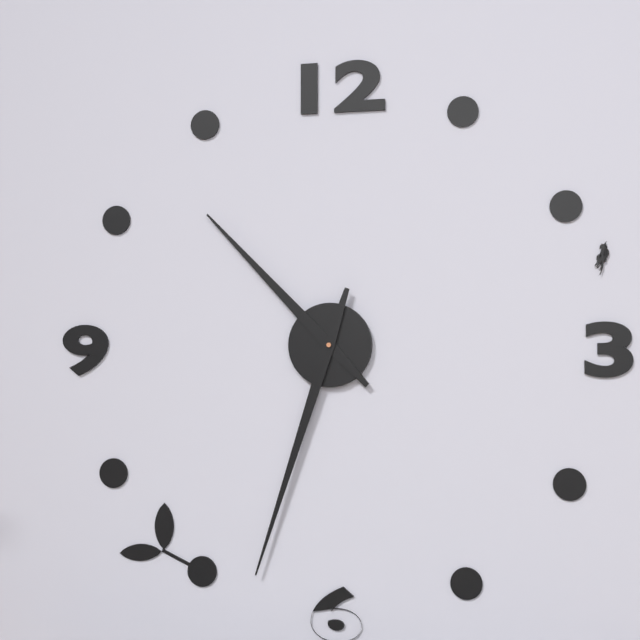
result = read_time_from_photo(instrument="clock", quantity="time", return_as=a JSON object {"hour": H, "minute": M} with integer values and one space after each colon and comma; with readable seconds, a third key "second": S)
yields {"hour": 10, "minute": 33}
